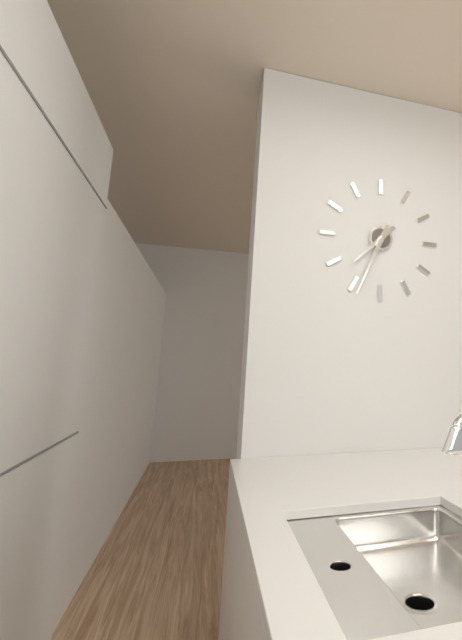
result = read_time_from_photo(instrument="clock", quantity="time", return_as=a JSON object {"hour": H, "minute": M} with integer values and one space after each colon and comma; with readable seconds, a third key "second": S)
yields {"hour": 7, "minute": 34}
